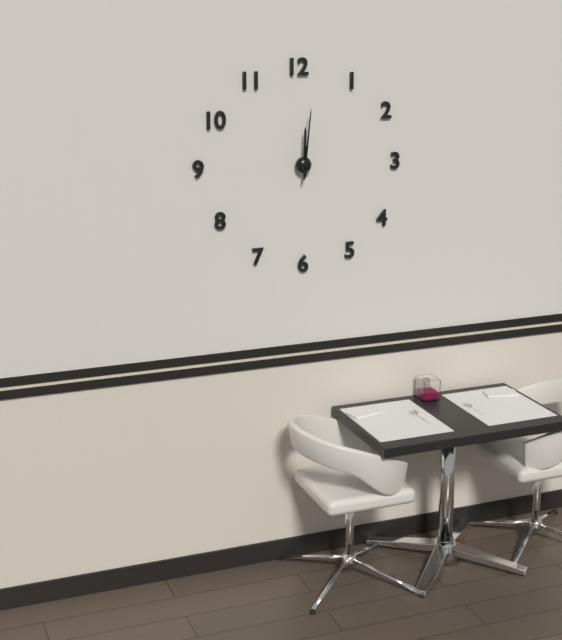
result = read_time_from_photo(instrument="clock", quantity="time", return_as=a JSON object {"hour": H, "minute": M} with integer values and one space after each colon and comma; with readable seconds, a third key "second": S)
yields {"hour": 12, "minute": 1}
